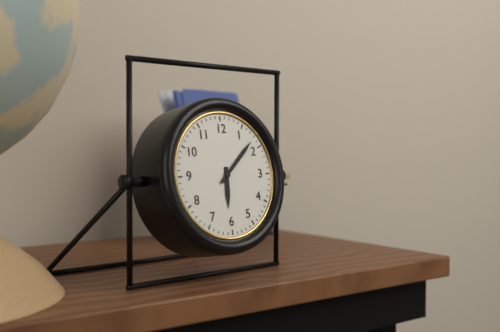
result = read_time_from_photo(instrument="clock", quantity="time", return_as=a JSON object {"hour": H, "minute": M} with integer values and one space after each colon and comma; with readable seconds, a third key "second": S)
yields {"hour": 6, "minute": 8}
